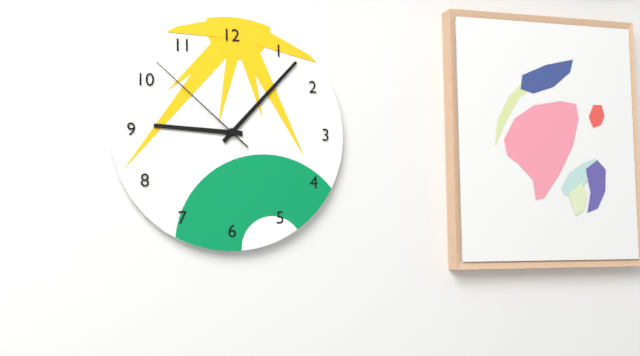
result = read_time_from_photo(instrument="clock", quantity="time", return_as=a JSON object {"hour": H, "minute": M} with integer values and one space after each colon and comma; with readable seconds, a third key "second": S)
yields {"hour": 9, "minute": 7, "second": 52}
